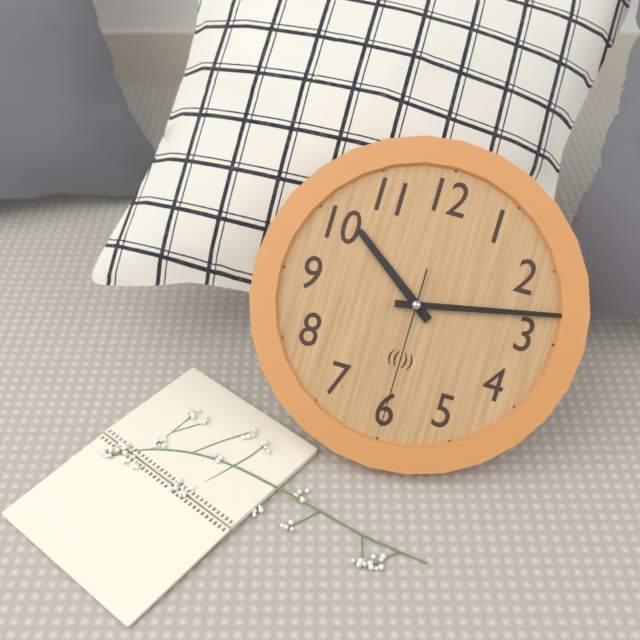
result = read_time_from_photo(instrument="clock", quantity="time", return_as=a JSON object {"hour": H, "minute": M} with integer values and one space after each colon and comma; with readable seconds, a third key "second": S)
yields {"hour": 10, "minute": 13, "second": 30}
